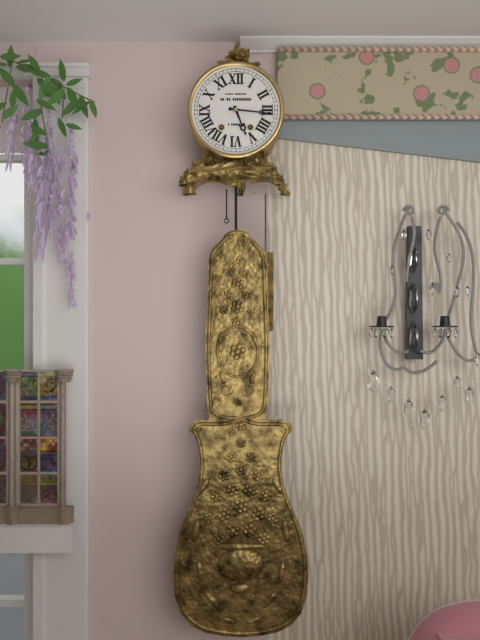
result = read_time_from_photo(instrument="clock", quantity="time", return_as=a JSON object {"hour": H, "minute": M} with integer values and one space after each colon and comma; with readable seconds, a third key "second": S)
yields {"hour": 5, "minute": 16}
